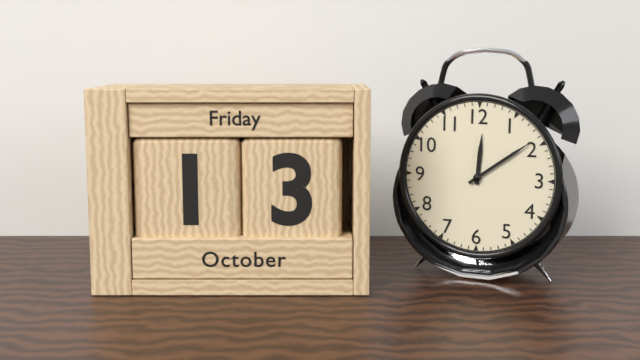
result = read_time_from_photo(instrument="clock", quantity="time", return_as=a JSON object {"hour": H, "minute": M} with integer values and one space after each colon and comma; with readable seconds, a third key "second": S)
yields {"hour": 12, "minute": 9}
